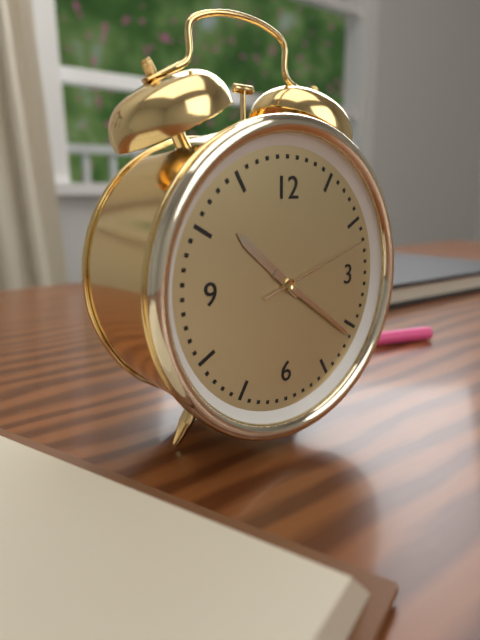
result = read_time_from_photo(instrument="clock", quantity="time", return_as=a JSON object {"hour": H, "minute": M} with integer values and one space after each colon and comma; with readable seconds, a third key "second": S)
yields {"hour": 10, "minute": 21, "second": 12}
